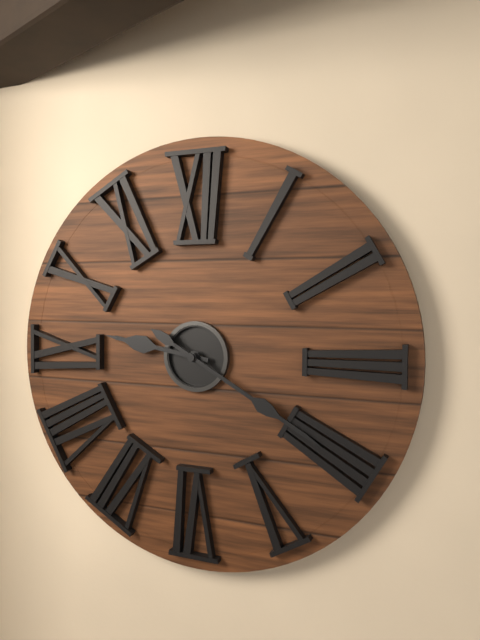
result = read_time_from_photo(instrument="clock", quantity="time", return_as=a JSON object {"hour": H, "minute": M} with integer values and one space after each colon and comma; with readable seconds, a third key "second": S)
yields {"hour": 9, "minute": 20}
